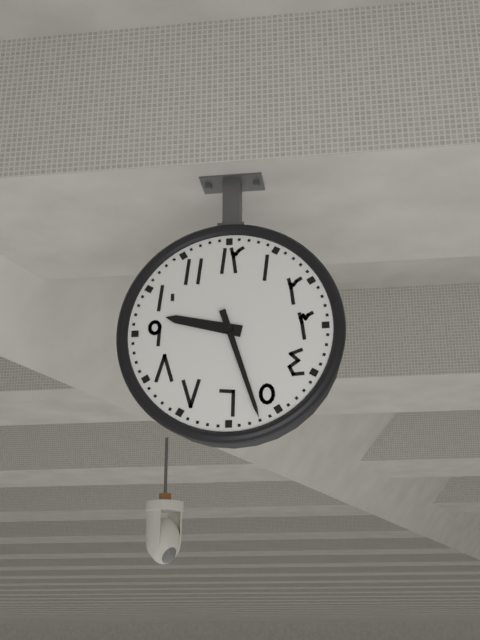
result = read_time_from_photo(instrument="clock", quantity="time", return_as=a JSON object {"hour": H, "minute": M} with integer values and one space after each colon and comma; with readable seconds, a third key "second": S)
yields {"hour": 9, "minute": 27}
